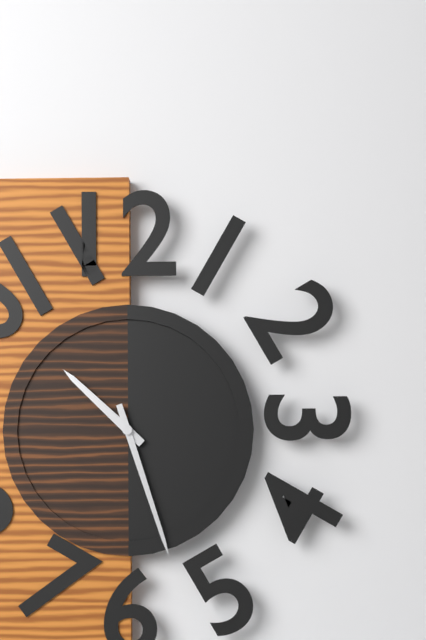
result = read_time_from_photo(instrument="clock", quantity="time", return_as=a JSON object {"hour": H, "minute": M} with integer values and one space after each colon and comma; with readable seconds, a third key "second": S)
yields {"hour": 10, "minute": 27}
